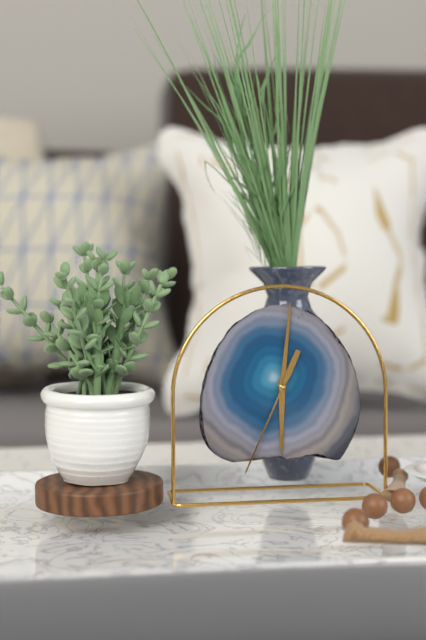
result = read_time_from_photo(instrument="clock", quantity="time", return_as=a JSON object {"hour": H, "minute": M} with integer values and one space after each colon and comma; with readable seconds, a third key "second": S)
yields {"hour": 6, "minute": 1, "second": 34}
